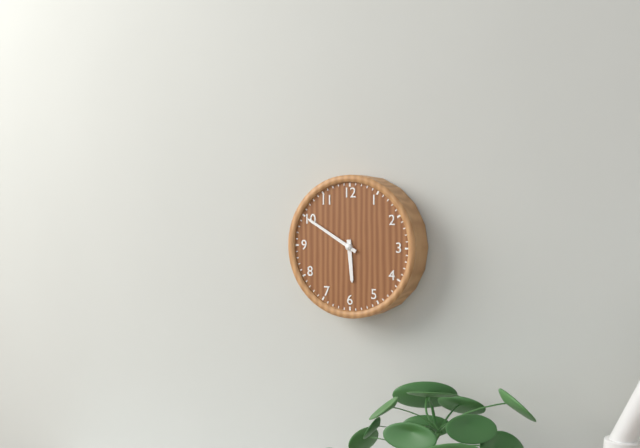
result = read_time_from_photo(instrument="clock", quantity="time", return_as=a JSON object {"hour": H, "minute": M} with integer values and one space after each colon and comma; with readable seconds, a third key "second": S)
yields {"hour": 5, "minute": 50}
